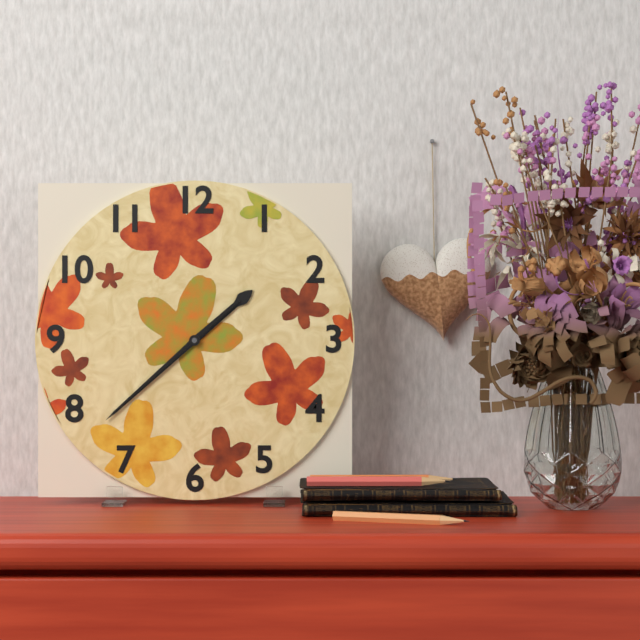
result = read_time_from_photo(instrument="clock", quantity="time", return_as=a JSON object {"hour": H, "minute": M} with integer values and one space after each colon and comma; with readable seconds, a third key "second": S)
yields {"hour": 1, "minute": 38, "second": 38}
